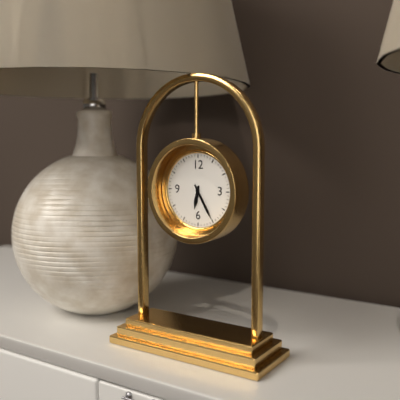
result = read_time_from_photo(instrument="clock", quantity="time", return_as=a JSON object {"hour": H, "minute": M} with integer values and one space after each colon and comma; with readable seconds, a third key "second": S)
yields {"hour": 6, "minute": 25}
